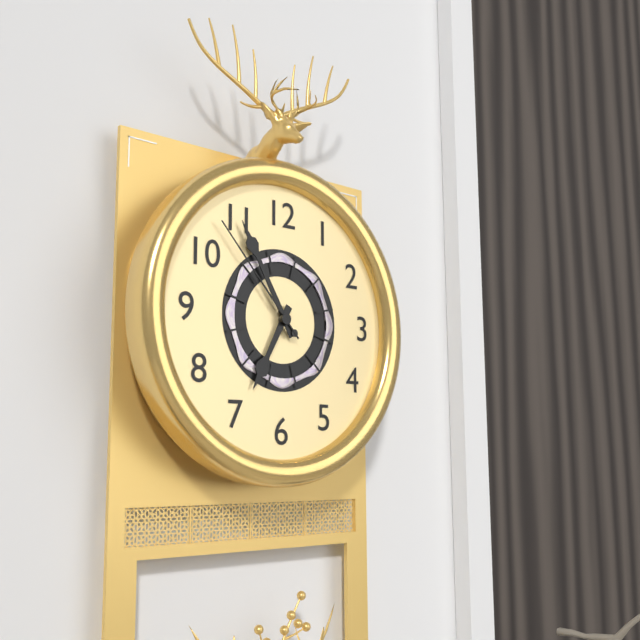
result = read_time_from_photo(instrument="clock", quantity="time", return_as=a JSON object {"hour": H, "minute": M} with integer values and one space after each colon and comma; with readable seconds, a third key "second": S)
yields {"hour": 6, "minute": 55, "second": 53}
